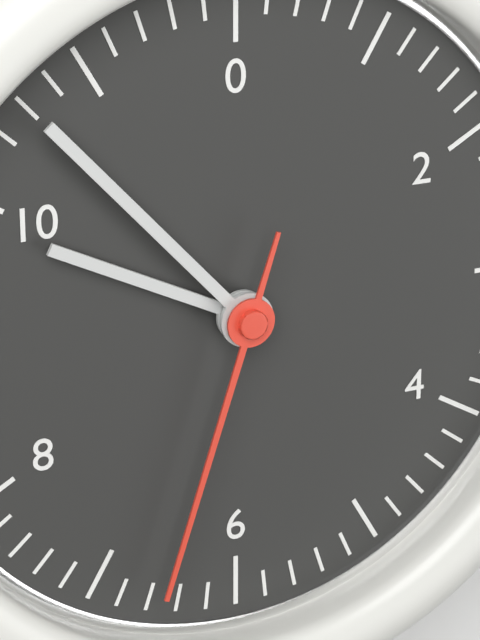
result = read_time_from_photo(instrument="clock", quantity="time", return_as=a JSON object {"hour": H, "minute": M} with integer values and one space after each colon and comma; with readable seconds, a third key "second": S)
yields {"hour": 9, "minute": 53, "second": 33}
